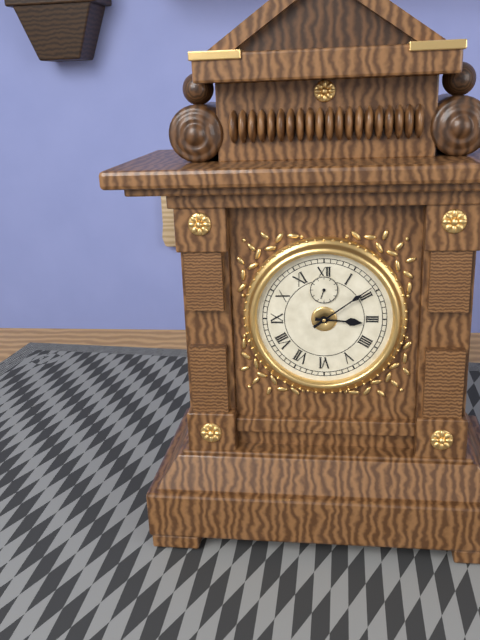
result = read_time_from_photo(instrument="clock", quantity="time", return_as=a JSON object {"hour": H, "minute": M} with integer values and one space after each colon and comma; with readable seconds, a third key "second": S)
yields {"hour": 3, "minute": 9}
